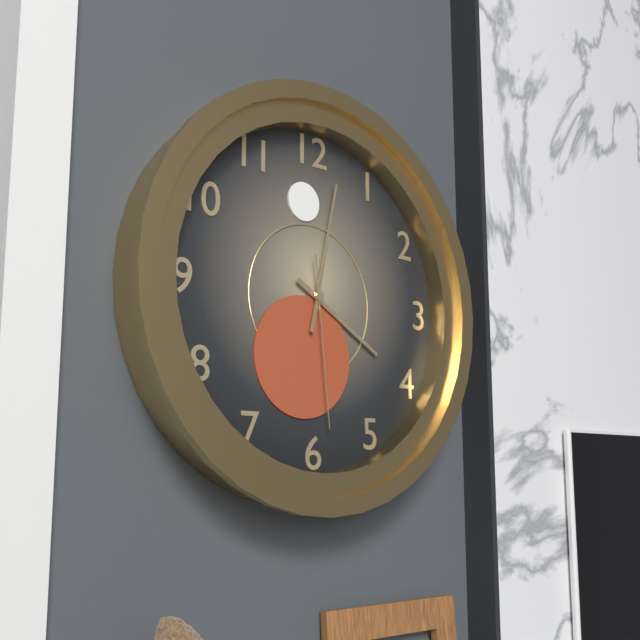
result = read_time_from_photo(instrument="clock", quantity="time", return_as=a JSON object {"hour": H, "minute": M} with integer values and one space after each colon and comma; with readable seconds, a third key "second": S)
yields {"hour": 4, "minute": 2, "second": 29}
